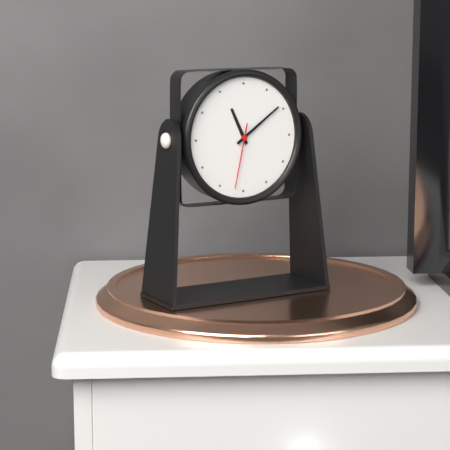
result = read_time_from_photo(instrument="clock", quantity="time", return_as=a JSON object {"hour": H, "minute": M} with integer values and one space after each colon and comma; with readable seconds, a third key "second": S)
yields {"hour": 11, "minute": 9, "second": 32}
